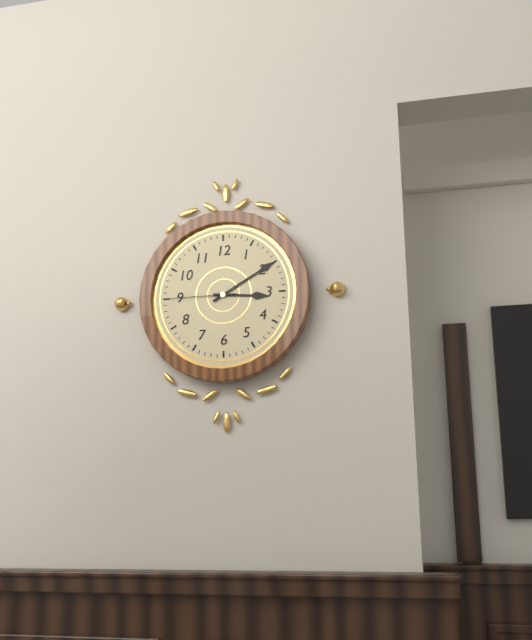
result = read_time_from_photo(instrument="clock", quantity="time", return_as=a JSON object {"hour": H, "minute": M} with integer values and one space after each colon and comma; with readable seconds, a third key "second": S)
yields {"hour": 3, "minute": 10, "second": 45}
